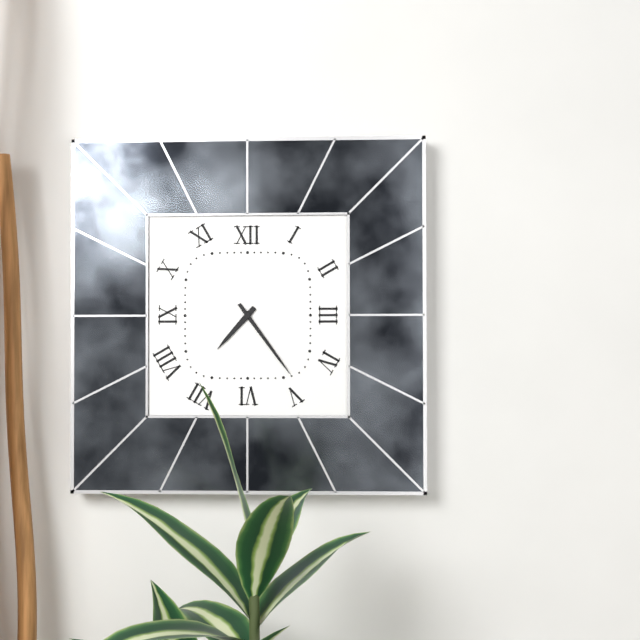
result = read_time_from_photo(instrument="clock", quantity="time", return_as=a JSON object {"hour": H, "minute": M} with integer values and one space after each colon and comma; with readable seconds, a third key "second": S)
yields {"hour": 7, "minute": 24}
